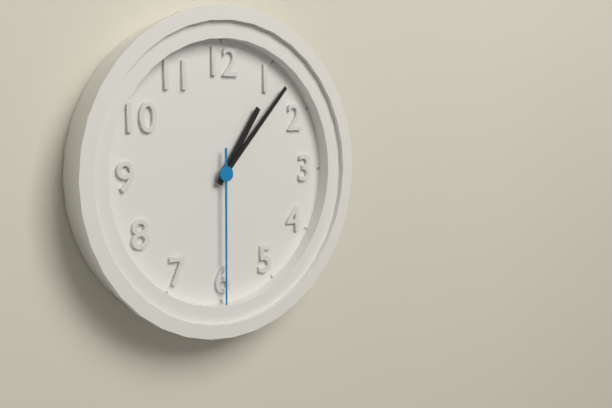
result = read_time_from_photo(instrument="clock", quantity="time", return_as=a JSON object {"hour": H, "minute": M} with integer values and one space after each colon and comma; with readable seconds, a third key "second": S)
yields {"hour": 1, "minute": 7, "second": 30}
